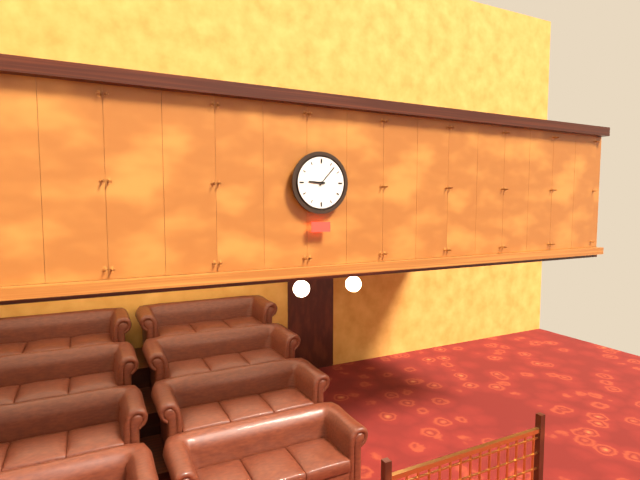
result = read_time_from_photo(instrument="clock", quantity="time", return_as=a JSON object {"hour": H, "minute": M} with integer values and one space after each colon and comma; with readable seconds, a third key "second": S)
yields {"hour": 9, "minute": 7}
